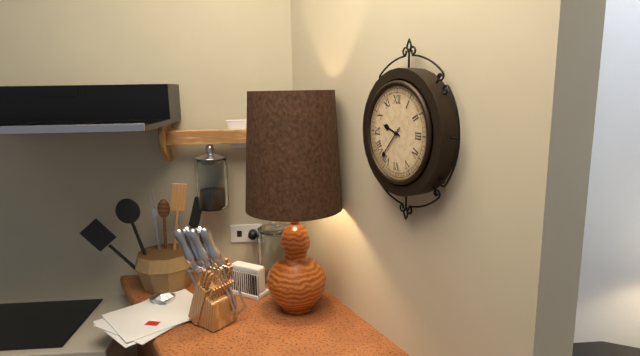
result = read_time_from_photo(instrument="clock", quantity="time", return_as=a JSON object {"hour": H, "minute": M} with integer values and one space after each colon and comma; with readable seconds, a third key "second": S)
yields {"hour": 9, "minute": 37}
